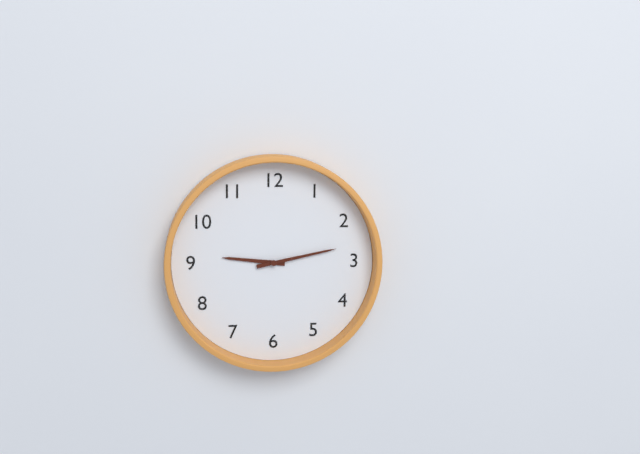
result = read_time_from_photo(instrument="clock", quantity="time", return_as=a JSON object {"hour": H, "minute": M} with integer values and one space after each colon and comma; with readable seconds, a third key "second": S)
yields {"hour": 9, "minute": 13}
